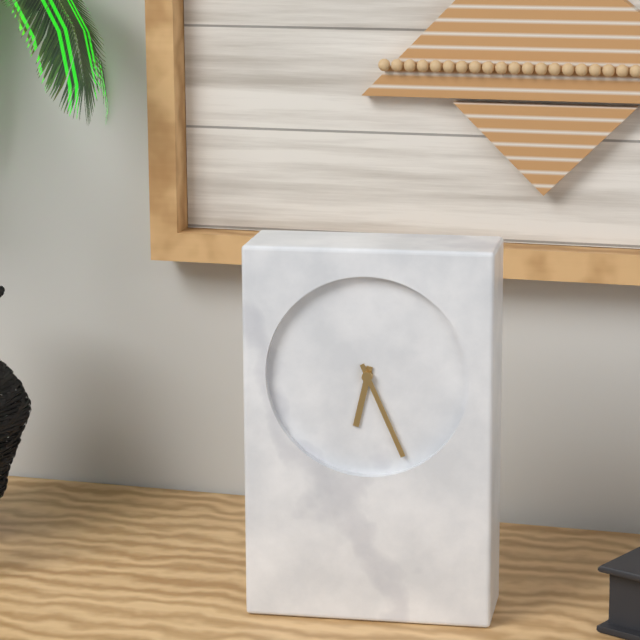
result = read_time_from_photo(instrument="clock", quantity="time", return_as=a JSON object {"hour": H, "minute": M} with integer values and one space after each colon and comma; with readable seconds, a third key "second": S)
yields {"hour": 6, "minute": 26}
